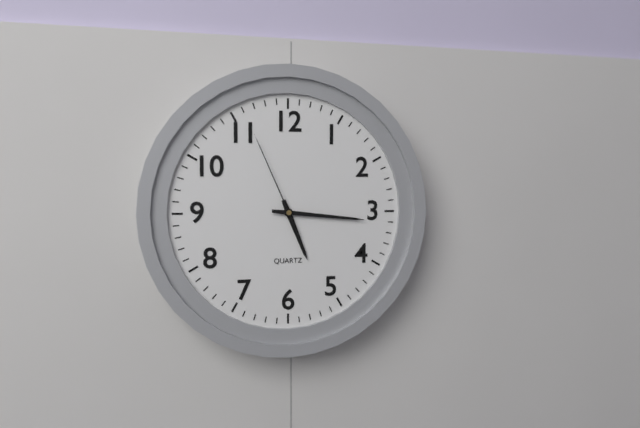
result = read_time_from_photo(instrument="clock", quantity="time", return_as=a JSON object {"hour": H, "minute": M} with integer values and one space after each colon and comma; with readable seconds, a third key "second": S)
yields {"hour": 5, "minute": 16, "second": 56}
